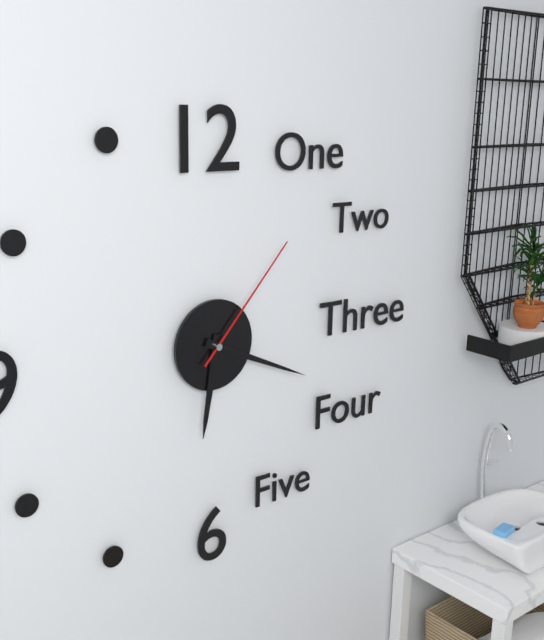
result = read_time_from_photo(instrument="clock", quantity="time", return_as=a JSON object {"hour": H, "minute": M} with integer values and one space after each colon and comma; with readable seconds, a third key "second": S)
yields {"hour": 6, "minute": 19, "second": 7}
